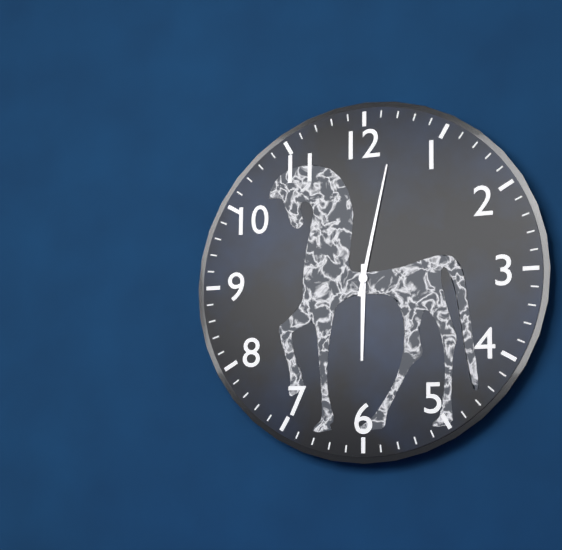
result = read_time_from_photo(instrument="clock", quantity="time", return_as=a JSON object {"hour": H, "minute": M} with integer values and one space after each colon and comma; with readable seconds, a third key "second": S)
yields {"hour": 6, "minute": 2}
